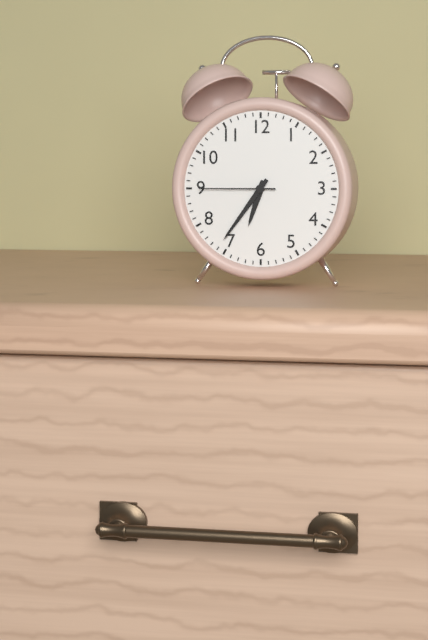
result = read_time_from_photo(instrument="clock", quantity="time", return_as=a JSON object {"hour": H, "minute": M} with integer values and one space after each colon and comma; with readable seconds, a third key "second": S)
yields {"hour": 6, "minute": 36, "second": 45}
